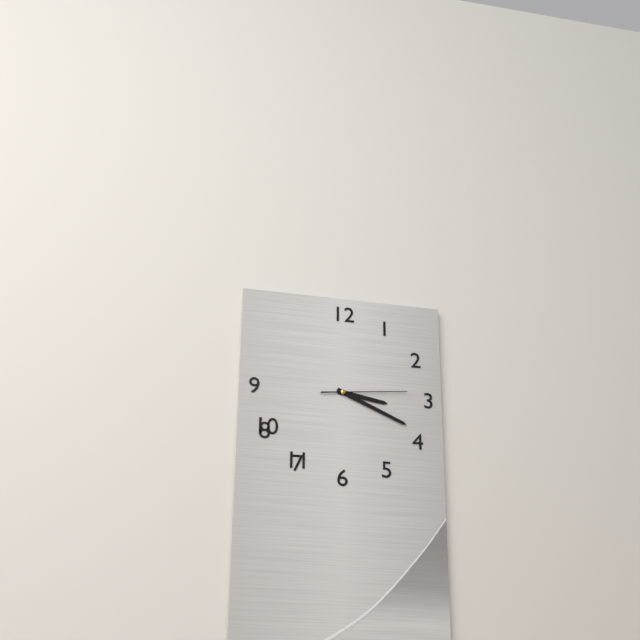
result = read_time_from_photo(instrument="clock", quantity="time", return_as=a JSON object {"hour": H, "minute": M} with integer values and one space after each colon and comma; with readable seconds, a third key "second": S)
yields {"hour": 3, "minute": 19, "second": 14}
